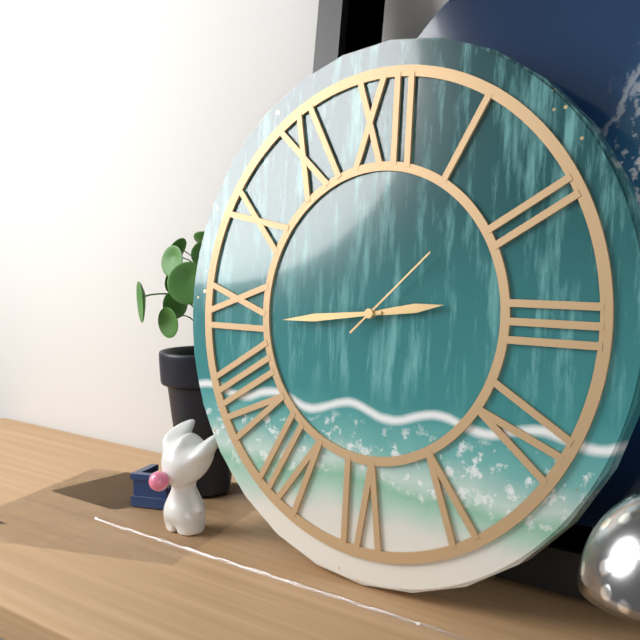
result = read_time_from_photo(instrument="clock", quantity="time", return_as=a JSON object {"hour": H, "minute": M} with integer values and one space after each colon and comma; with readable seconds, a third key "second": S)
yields {"hour": 2, "minute": 44, "second": 8}
